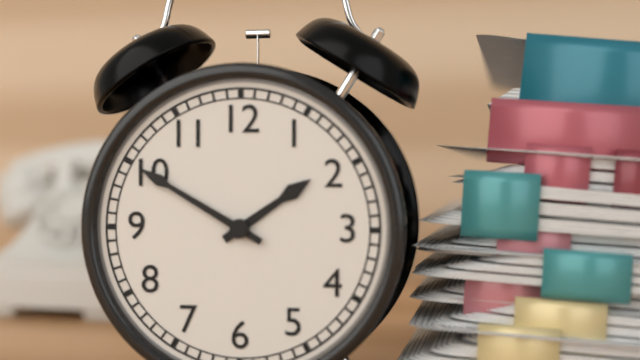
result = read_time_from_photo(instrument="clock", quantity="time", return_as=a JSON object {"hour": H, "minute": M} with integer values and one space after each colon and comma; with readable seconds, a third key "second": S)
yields {"hour": 1, "minute": 50}
